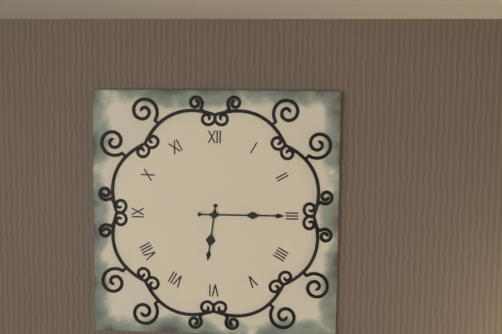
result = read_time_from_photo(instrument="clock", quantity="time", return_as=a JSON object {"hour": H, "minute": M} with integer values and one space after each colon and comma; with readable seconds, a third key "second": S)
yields {"hour": 6, "minute": 15}
